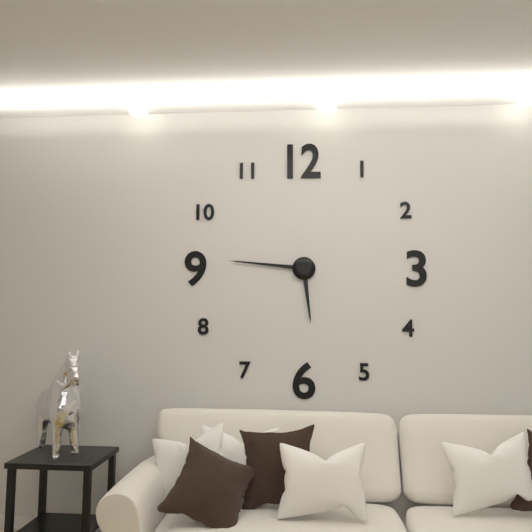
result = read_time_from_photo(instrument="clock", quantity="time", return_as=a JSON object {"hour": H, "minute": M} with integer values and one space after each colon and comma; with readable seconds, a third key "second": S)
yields {"hour": 5, "minute": 46}
